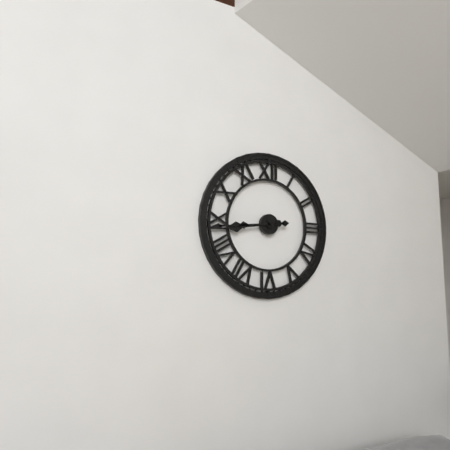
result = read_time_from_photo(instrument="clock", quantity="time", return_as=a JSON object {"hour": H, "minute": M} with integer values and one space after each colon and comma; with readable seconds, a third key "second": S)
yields {"hour": 8, "minute": 44}
